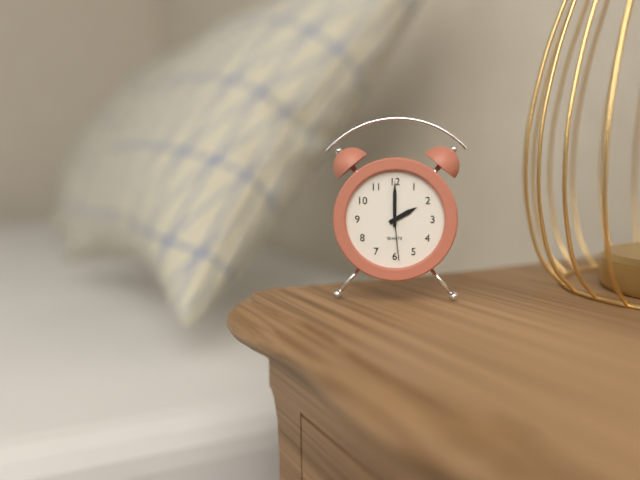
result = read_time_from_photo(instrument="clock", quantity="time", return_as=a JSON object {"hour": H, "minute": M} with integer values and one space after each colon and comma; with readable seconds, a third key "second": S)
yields {"hour": 2, "minute": 0, "second": 29}
